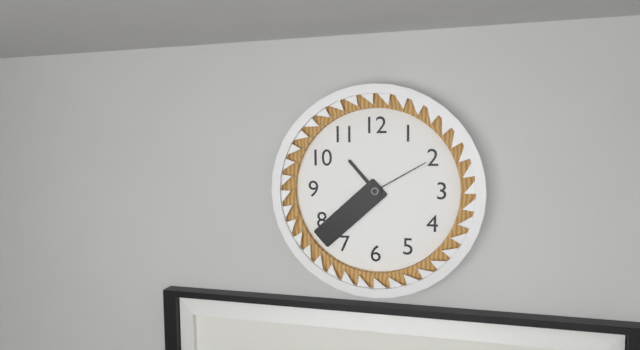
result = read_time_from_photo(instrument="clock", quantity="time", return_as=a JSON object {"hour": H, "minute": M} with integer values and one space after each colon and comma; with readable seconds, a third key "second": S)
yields {"hour": 10, "minute": 38, "second": 10}
